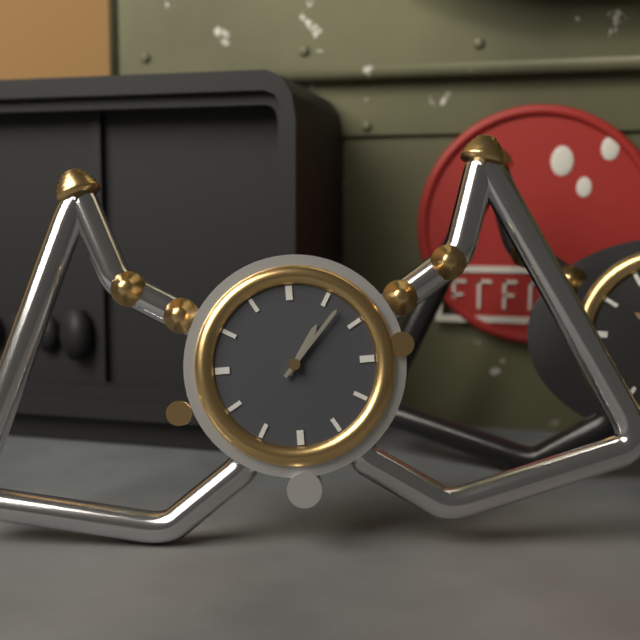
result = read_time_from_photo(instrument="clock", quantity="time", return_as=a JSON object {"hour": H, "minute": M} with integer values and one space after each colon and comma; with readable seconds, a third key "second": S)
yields {"hour": 1, "minute": 7}
